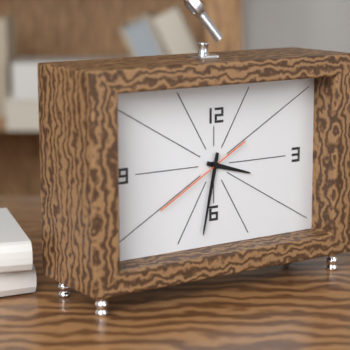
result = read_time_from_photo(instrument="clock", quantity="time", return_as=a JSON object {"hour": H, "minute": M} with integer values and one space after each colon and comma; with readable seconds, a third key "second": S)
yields {"hour": 3, "minute": 32, "second": 40}
